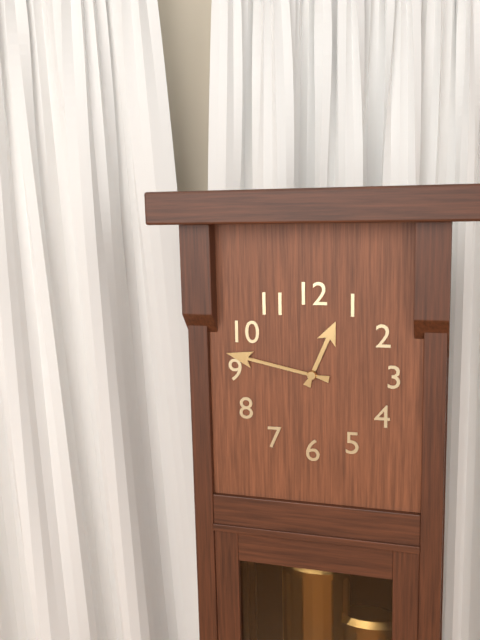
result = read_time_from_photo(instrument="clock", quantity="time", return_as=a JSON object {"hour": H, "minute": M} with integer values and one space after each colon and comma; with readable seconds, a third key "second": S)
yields {"hour": 12, "minute": 47}
